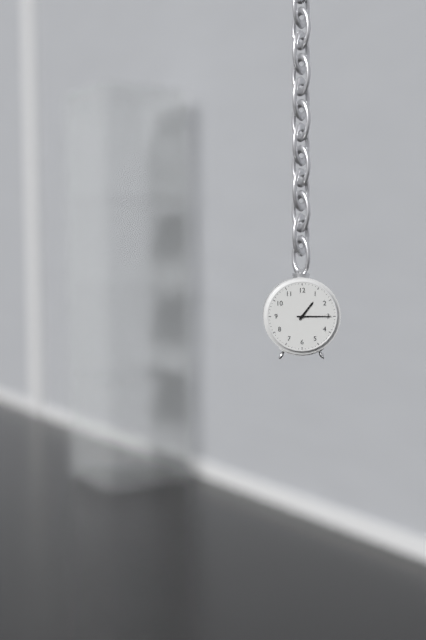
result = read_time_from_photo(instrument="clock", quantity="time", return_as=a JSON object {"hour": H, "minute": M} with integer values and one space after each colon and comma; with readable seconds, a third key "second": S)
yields {"hour": 1, "minute": 15}
